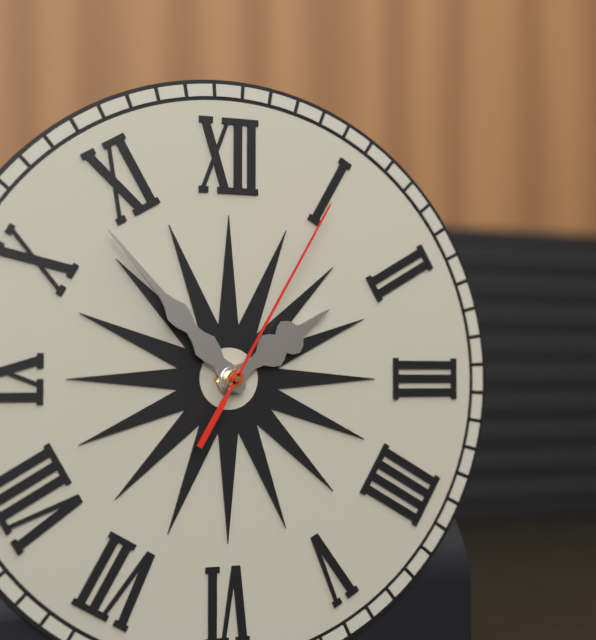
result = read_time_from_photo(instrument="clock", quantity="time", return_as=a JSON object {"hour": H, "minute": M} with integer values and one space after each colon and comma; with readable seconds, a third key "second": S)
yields {"hour": 1, "minute": 53, "second": 5}
